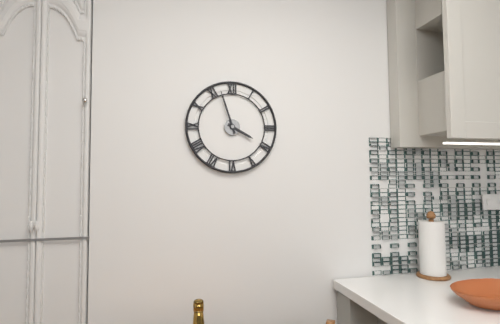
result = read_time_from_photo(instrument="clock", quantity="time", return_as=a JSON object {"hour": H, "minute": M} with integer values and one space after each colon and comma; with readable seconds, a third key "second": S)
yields {"hour": 3, "minute": 57}
